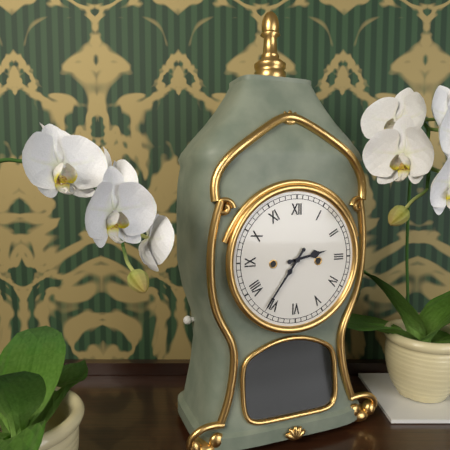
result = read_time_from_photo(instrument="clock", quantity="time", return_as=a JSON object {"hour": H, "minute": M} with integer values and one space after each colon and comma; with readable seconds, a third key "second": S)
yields {"hour": 2, "minute": 36}
